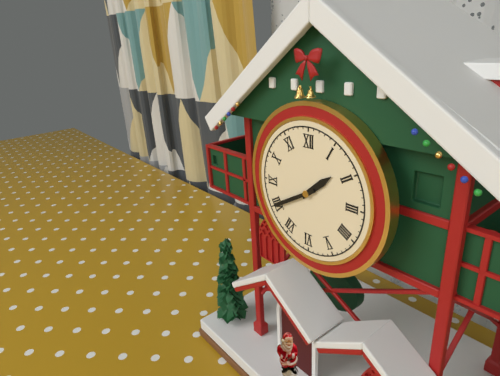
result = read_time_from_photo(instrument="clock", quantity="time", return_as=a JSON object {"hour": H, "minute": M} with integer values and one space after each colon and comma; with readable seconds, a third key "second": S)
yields {"hour": 1, "minute": 40}
